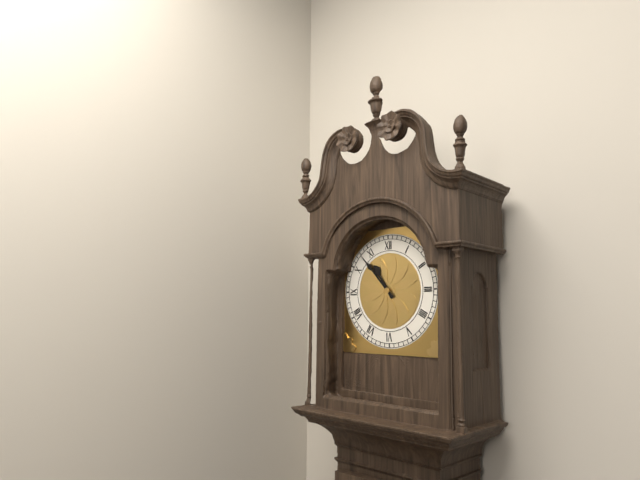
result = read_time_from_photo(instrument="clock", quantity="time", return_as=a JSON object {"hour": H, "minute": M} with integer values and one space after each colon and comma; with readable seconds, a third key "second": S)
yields {"hour": 10, "minute": 53}
